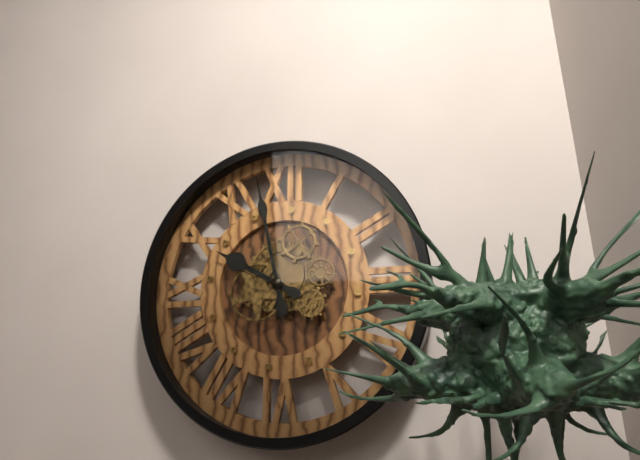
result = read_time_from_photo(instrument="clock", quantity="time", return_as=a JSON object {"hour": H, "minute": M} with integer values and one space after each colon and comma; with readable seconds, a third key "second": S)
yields {"hour": 9, "minute": 58}
